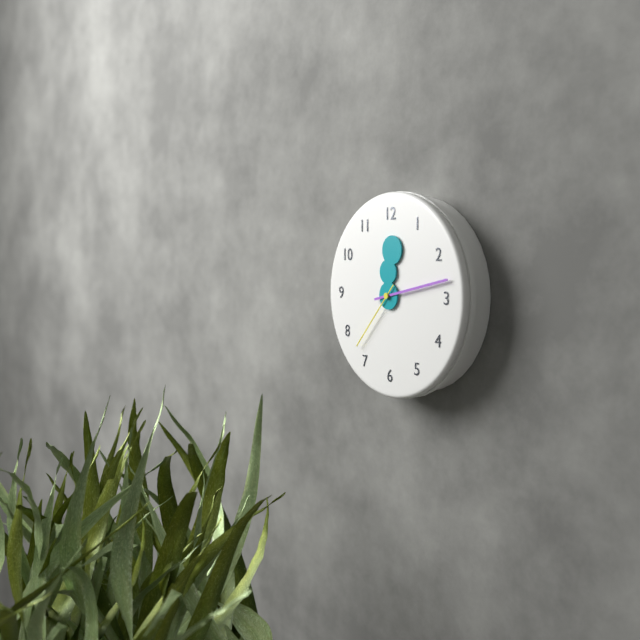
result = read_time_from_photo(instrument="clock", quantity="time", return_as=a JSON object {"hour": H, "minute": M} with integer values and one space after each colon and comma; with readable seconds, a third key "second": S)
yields {"hour": 12, "minute": 13, "second": 37}
